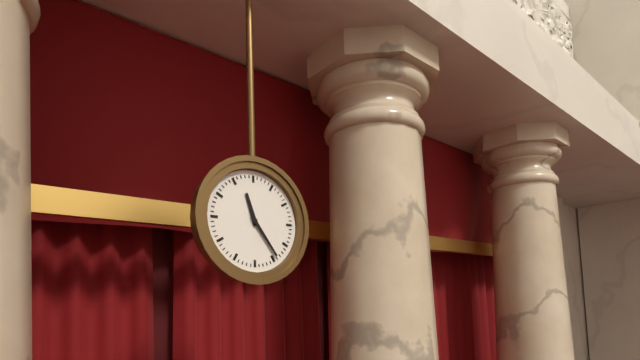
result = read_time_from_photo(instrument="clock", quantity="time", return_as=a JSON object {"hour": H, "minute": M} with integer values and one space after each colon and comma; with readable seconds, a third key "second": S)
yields {"hour": 11, "minute": 24}
